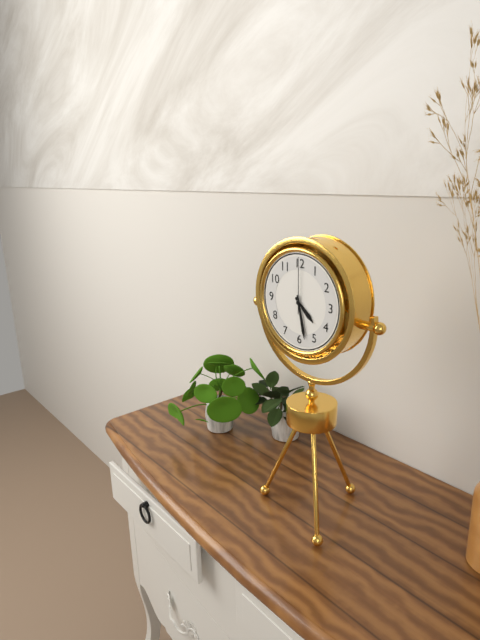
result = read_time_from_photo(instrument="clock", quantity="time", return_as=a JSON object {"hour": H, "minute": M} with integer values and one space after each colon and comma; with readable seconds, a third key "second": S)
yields {"hour": 4, "minute": 28, "second": 0}
